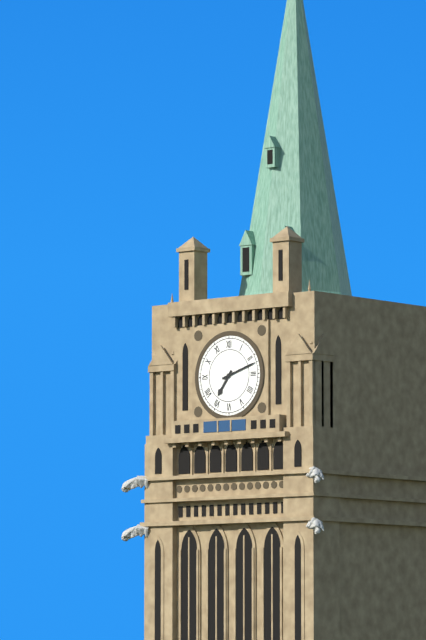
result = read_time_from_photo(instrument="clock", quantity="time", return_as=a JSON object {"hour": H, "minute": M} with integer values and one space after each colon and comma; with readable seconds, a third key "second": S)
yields {"hour": 7, "minute": 12}
